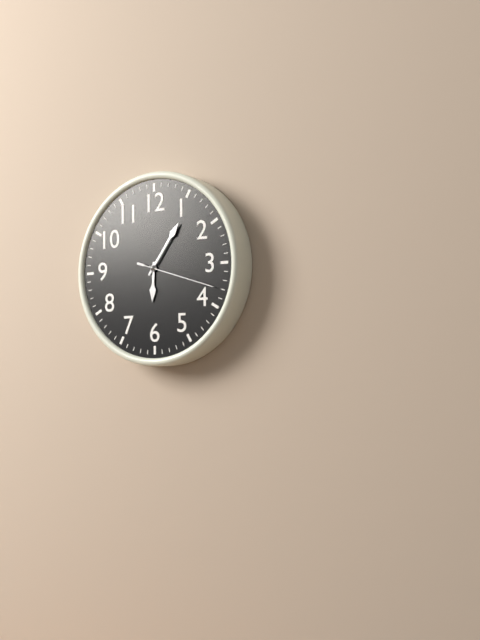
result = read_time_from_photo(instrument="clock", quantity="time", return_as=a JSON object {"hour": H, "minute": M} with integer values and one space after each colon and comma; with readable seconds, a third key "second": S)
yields {"hour": 6, "minute": 6, "second": 18}
